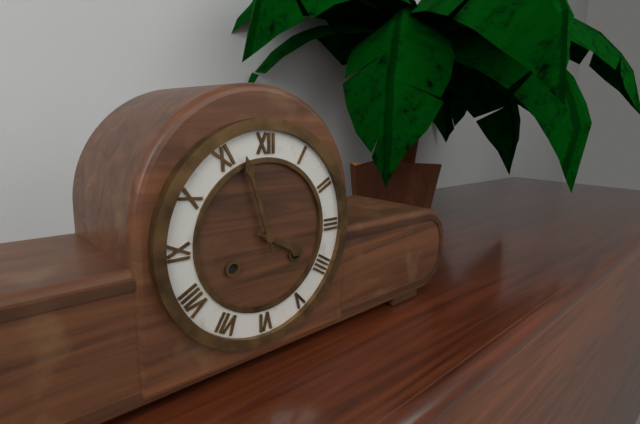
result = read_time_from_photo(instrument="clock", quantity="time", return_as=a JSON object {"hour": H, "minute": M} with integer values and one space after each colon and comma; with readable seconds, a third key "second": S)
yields {"hour": 3, "minute": 57}
